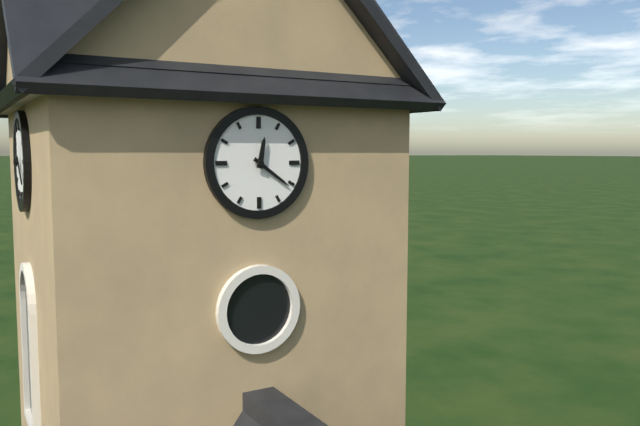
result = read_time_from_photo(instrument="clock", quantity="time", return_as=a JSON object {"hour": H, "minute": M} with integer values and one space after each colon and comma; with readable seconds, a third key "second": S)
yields {"hour": 12, "minute": 21}
